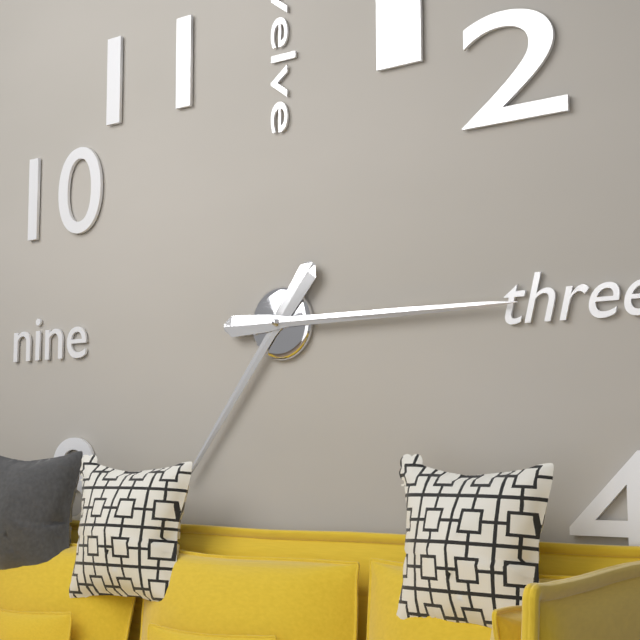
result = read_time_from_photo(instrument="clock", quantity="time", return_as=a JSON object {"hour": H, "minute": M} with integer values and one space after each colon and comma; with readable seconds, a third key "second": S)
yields {"hour": 7, "minute": 15}
